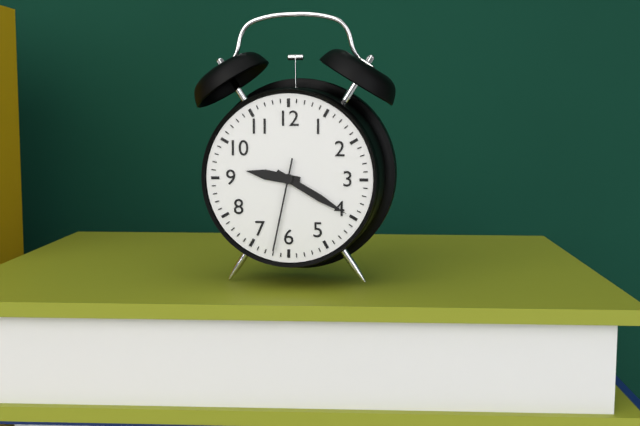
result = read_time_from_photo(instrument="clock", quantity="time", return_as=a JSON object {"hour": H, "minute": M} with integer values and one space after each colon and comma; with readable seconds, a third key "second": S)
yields {"hour": 9, "minute": 20, "second": 32}
